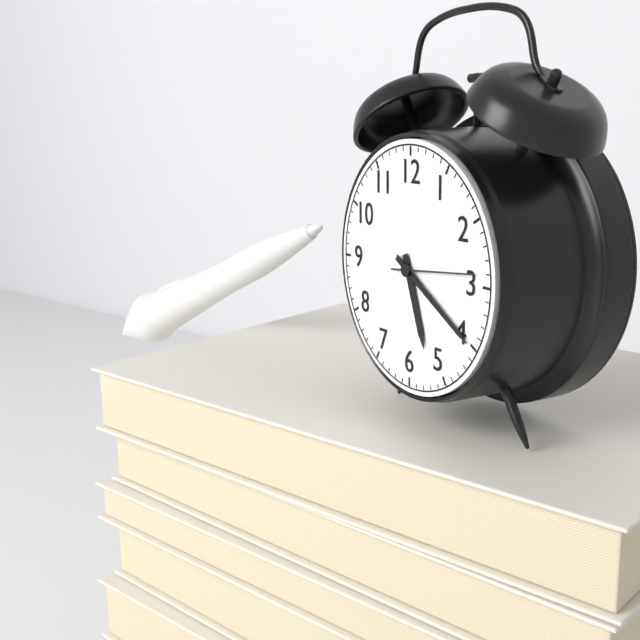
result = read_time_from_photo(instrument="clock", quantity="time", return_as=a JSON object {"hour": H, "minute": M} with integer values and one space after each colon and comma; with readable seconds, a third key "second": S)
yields {"hour": 5, "minute": 20, "second": 14}
